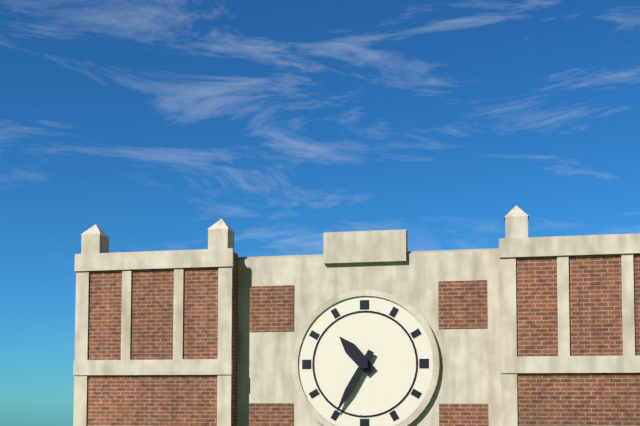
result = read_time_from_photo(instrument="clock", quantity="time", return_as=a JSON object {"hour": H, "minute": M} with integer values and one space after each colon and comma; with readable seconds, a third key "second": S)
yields {"hour": 10, "minute": 35}
